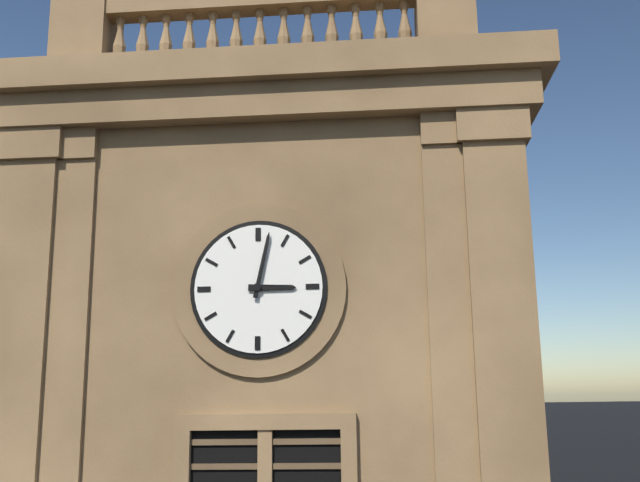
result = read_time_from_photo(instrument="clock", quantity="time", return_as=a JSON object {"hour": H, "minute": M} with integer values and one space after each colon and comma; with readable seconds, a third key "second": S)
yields {"hour": 3, "minute": 2}
